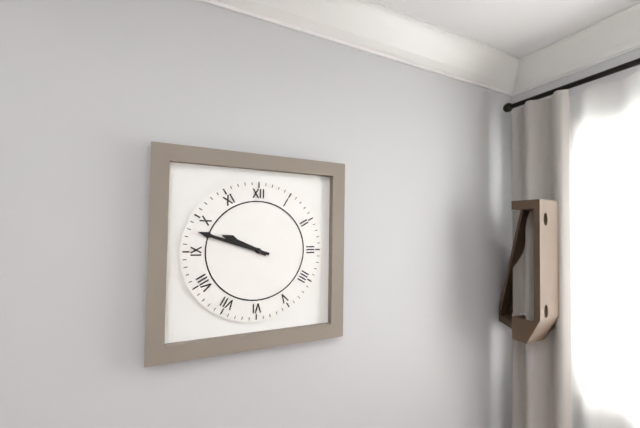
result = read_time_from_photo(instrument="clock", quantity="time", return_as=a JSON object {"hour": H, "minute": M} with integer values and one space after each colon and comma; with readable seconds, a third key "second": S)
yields {"hour": 9, "minute": 48}
